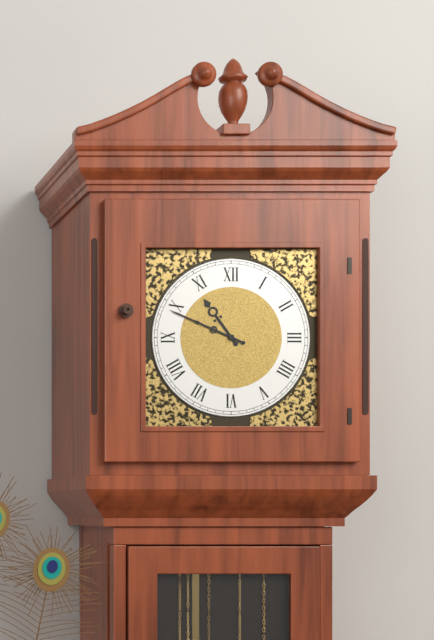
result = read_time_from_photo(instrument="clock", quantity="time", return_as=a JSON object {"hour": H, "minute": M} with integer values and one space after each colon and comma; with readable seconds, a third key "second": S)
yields {"hour": 10, "minute": 49}
